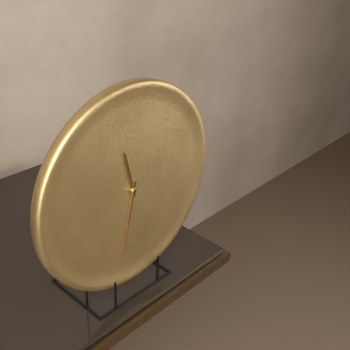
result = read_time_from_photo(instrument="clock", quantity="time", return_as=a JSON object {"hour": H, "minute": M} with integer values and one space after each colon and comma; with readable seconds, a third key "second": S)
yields {"hour": 11, "minute": 32}
